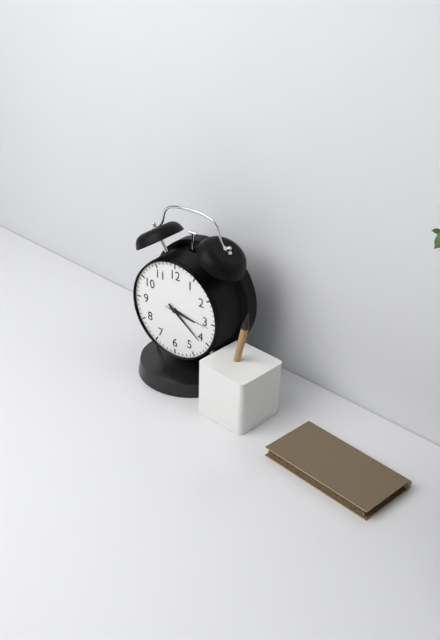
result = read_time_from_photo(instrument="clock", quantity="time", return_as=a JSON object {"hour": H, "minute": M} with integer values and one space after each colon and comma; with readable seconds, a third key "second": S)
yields {"hour": 3, "minute": 21}
